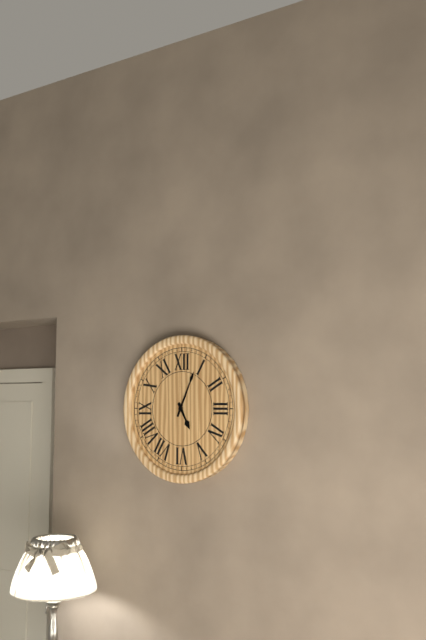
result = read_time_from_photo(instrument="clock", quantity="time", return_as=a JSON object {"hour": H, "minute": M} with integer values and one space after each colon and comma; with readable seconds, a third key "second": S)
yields {"hour": 5, "minute": 4}
